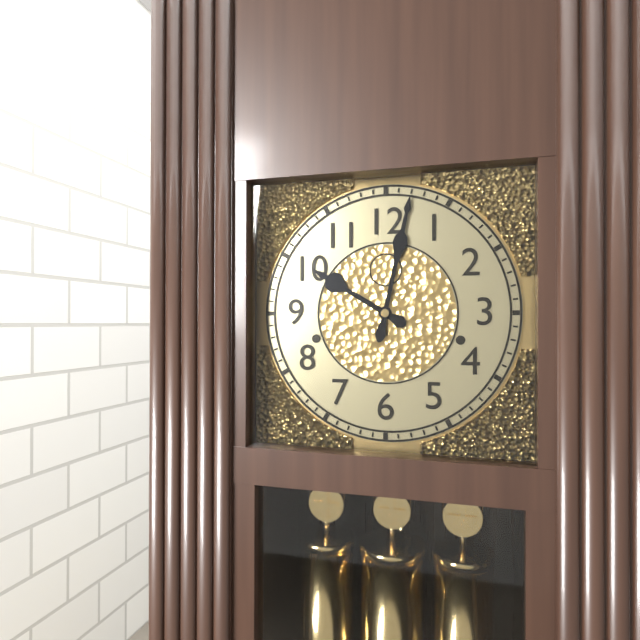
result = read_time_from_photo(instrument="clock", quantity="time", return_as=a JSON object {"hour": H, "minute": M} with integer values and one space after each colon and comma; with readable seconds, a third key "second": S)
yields {"hour": 10, "minute": 2}
